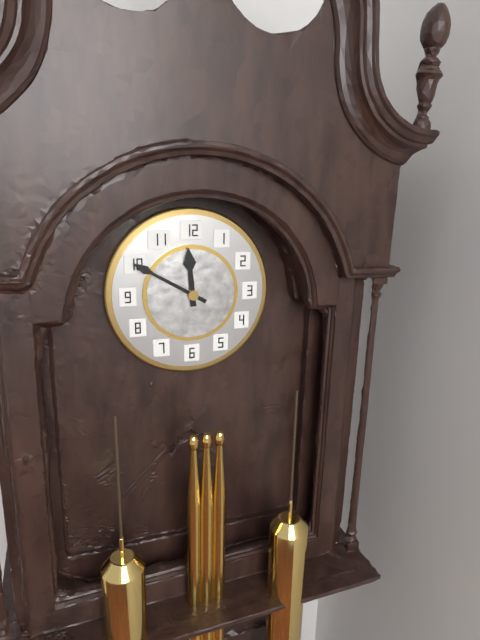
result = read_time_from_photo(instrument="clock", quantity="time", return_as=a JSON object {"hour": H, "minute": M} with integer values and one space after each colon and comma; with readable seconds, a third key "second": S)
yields {"hour": 11, "minute": 50}
